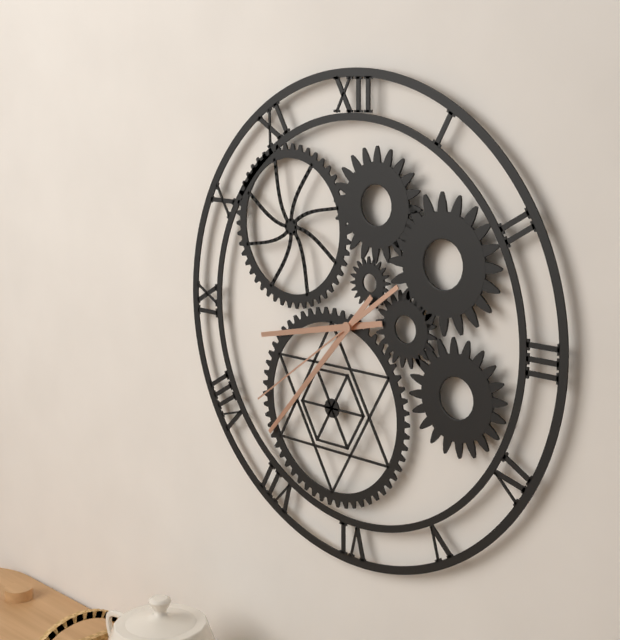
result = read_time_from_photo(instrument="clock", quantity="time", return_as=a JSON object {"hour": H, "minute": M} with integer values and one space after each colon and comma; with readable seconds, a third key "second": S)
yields {"hour": 8, "minute": 37, "second": 39}
